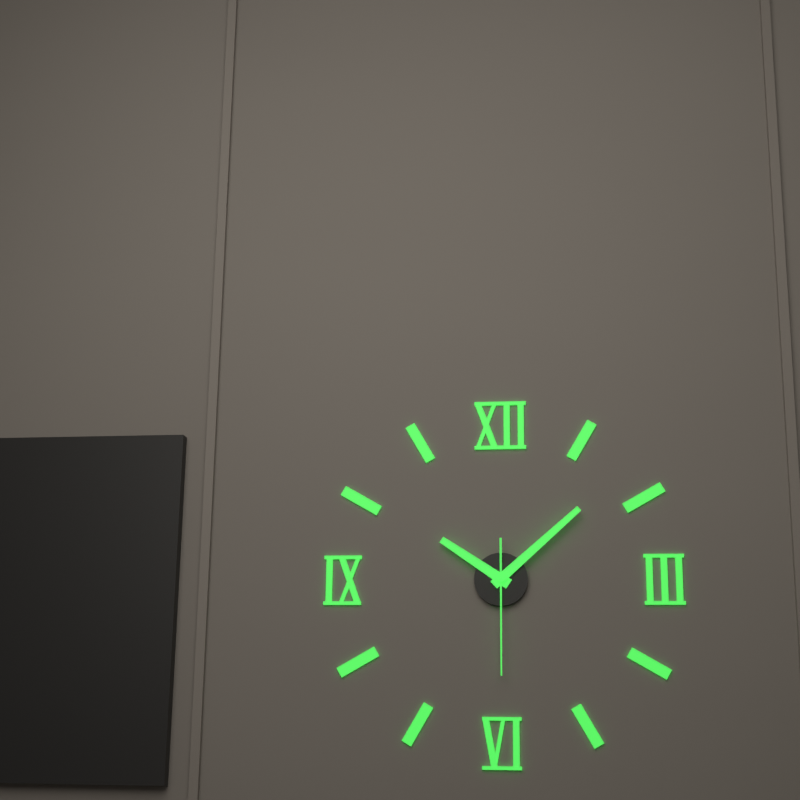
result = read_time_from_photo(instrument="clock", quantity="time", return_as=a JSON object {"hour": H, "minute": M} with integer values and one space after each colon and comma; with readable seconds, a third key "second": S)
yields {"hour": 10, "minute": 8, "second": 30}
